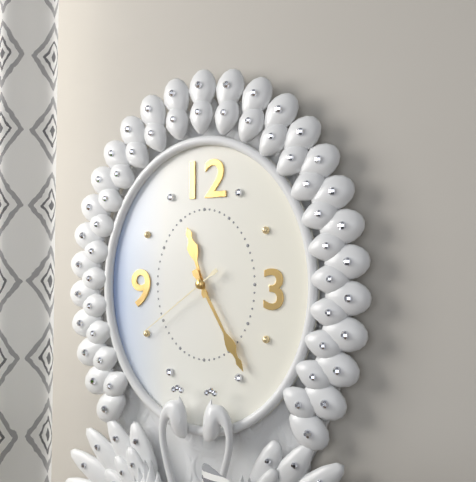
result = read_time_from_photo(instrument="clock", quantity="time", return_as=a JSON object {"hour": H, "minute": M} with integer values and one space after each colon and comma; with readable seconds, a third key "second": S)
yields {"hour": 11, "minute": 25, "second": 39}
